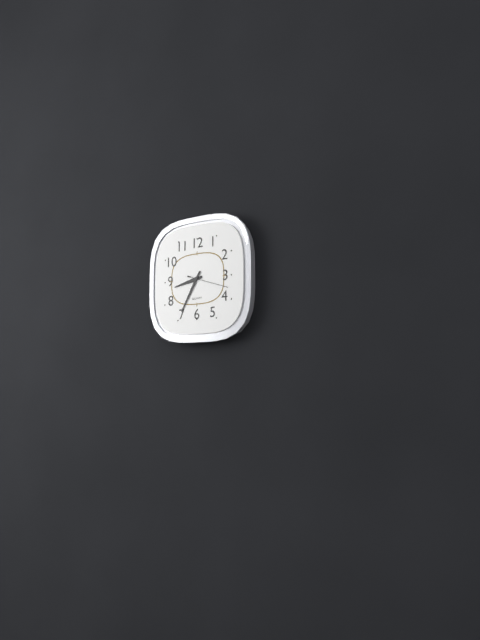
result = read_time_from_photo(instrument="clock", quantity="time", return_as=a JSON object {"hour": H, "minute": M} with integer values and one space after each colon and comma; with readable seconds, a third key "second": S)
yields {"hour": 8, "minute": 35}
